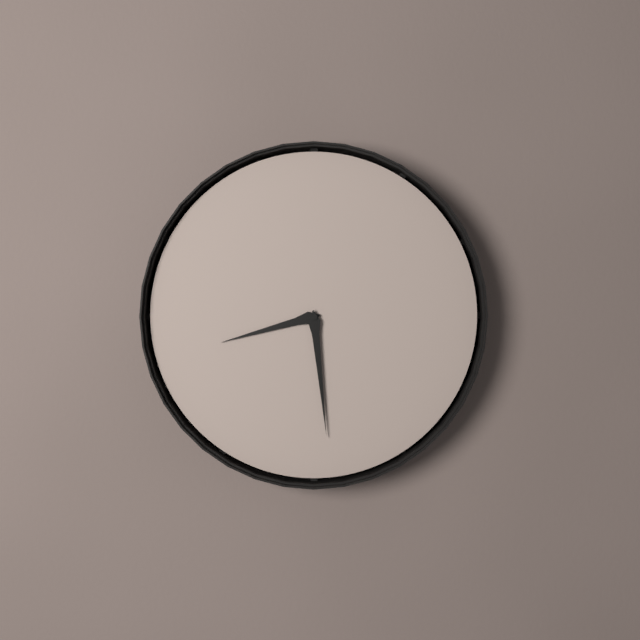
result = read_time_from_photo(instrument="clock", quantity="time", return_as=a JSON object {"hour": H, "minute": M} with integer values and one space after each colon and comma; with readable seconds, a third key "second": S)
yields {"hour": 8, "minute": 29}
